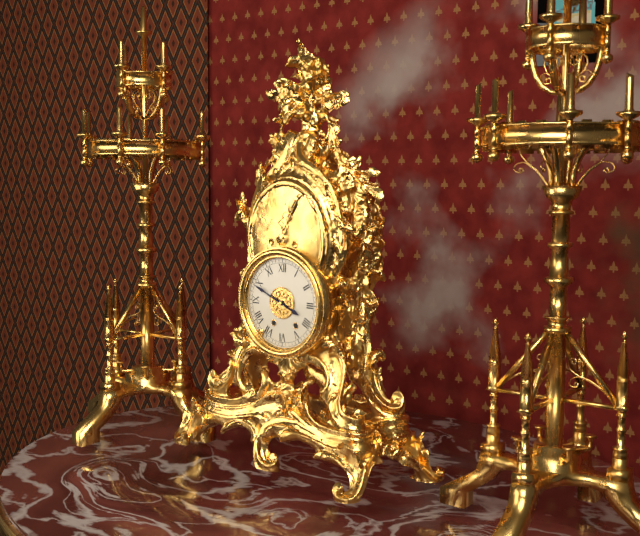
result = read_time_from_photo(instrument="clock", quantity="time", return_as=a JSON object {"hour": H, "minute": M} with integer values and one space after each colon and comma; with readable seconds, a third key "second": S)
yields {"hour": 3, "minute": 49}
